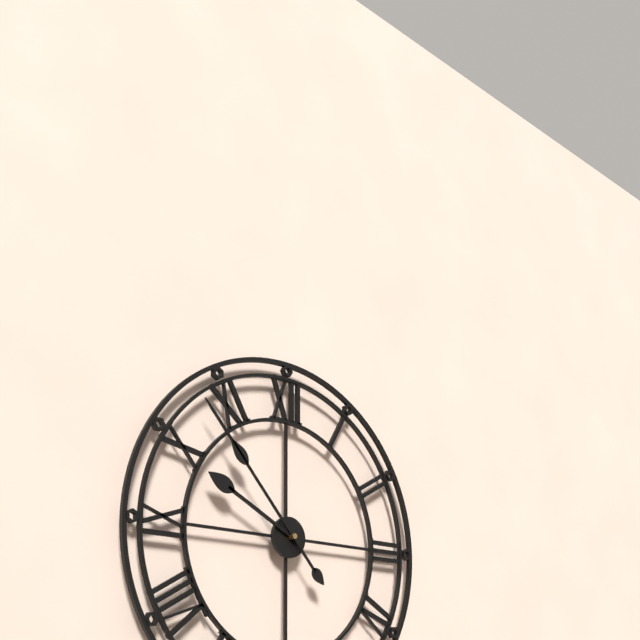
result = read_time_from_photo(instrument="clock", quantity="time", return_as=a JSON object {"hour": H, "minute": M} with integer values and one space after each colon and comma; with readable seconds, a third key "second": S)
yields {"hour": 9, "minute": 53}
